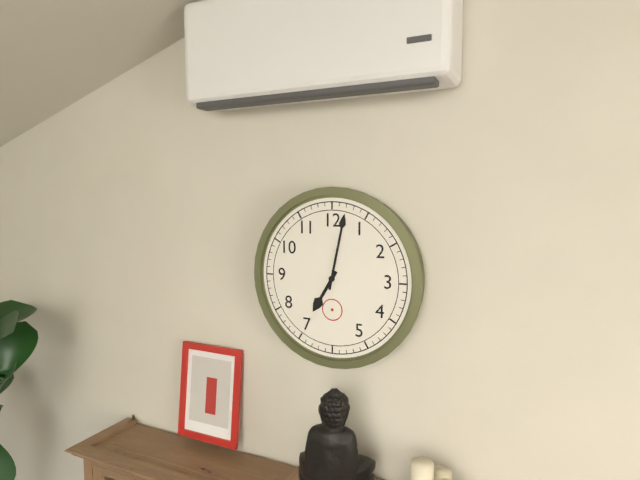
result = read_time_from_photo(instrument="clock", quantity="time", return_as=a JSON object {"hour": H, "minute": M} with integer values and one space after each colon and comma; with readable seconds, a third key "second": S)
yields {"hour": 7, "minute": 2}
